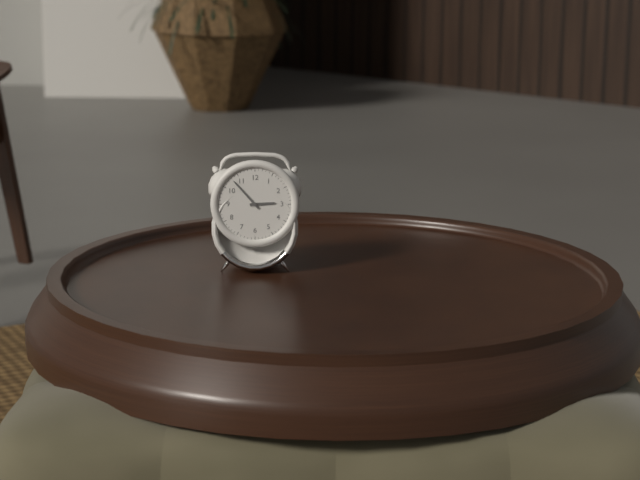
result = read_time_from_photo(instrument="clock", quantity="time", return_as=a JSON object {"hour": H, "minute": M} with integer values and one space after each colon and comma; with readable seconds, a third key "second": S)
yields {"hour": 2, "minute": 53}
